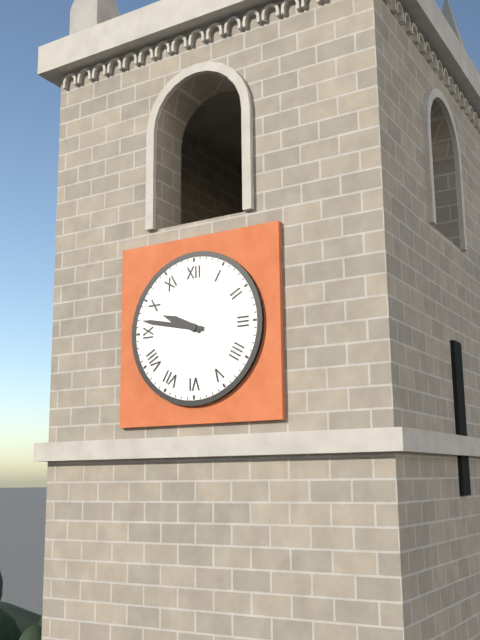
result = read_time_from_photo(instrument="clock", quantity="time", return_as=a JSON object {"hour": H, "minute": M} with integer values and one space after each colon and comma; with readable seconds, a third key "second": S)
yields {"hour": 9, "minute": 47}
